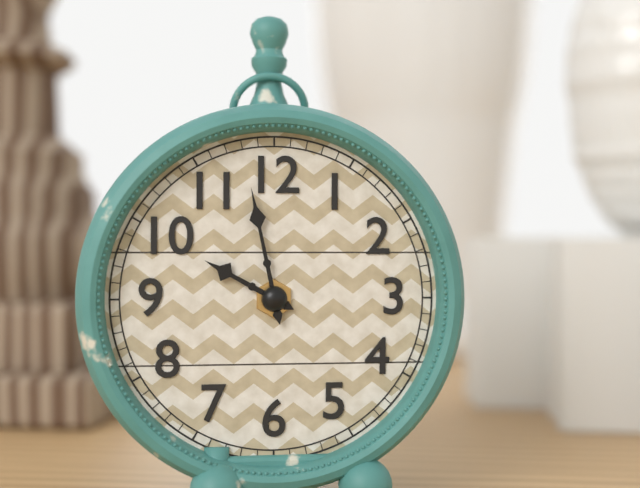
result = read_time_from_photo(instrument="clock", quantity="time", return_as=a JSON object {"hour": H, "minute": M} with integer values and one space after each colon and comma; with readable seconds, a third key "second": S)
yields {"hour": 9, "minute": 58}
